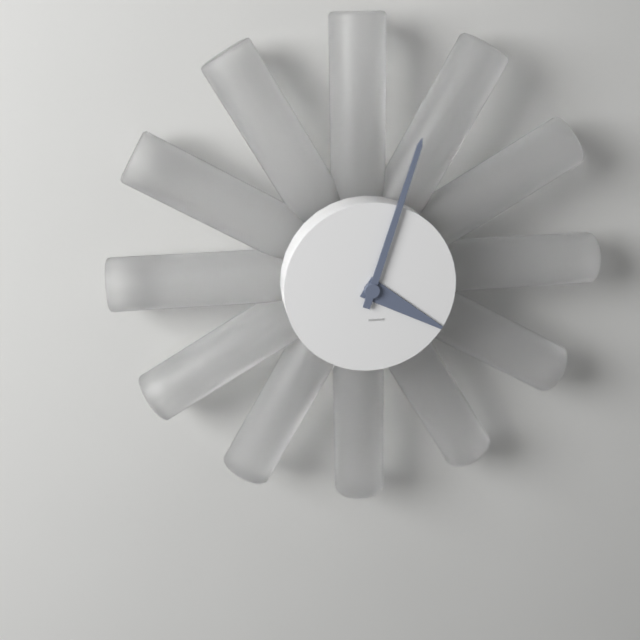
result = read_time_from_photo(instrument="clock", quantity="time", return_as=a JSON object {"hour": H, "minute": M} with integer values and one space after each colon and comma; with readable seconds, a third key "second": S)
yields {"hour": 4, "minute": 3}
